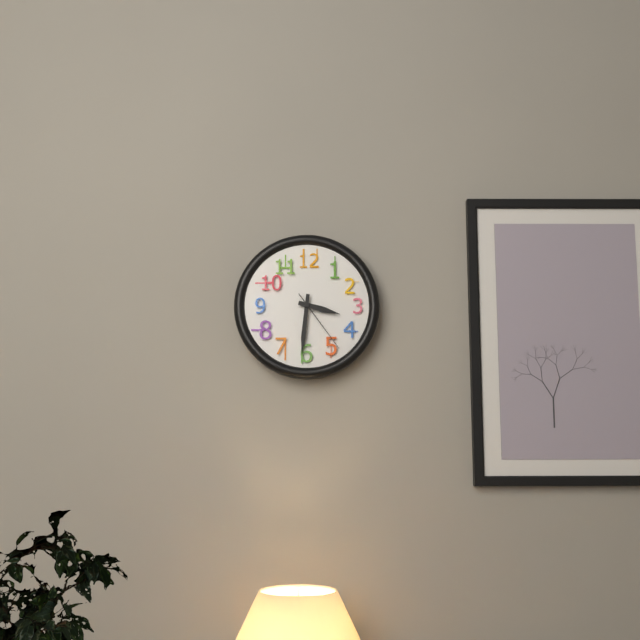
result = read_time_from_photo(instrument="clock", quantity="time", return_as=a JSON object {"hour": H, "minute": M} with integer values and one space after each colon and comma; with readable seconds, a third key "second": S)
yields {"hour": 3, "minute": 31, "second": 24}
